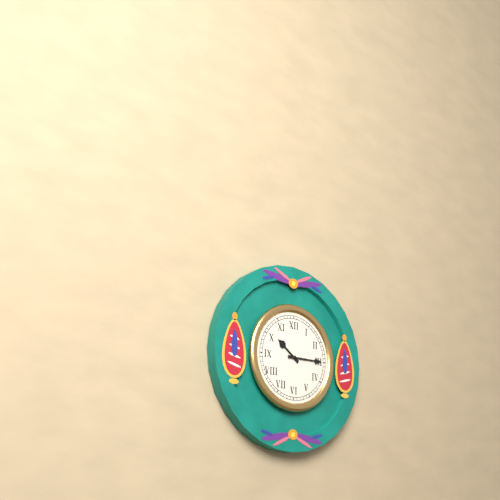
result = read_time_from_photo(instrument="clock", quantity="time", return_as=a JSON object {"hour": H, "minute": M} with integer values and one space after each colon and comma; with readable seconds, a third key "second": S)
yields {"hour": 10, "minute": 15}
